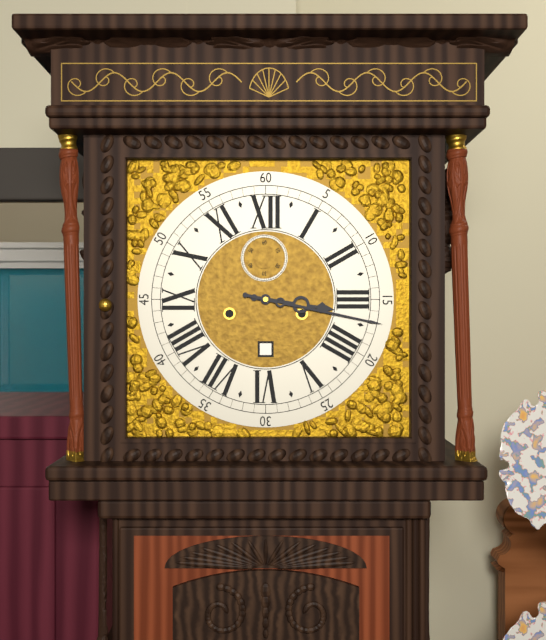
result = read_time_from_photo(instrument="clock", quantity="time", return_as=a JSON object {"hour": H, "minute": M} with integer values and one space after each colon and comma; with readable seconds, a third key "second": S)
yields {"hour": 3, "minute": 17}
